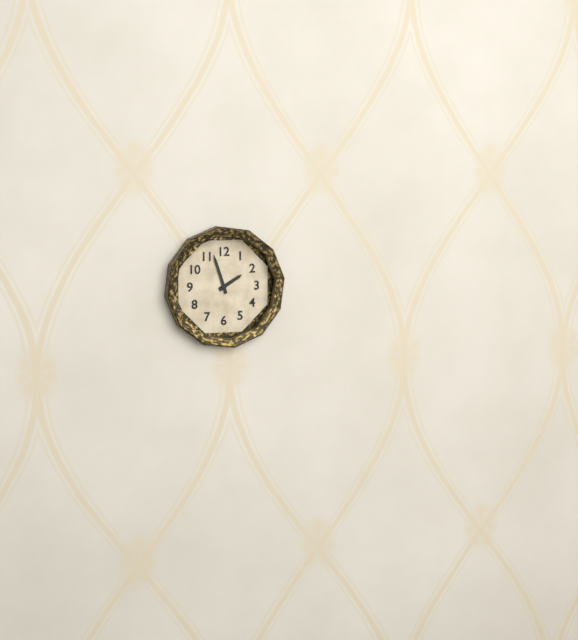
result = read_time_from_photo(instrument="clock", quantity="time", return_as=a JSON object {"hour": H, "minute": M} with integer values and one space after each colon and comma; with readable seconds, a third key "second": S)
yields {"hour": 1, "minute": 57}
